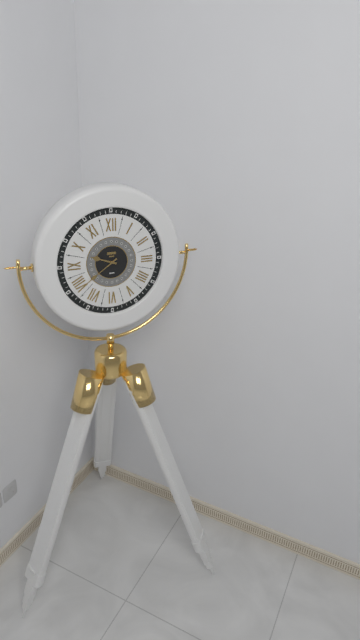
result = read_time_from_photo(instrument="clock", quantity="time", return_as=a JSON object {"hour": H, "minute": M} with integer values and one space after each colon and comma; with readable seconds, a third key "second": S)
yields {"hour": 9, "minute": 39}
